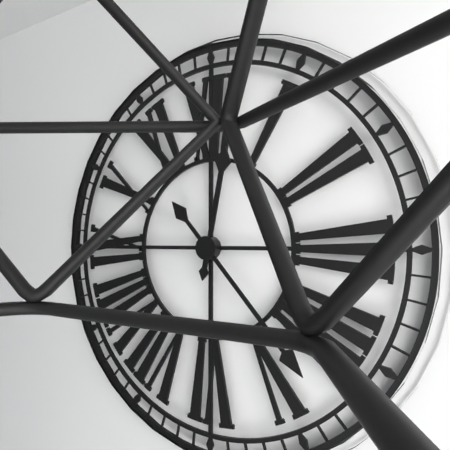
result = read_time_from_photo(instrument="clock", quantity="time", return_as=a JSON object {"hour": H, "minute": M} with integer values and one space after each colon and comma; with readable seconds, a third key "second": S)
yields {"hour": 12, "minute": 23}
